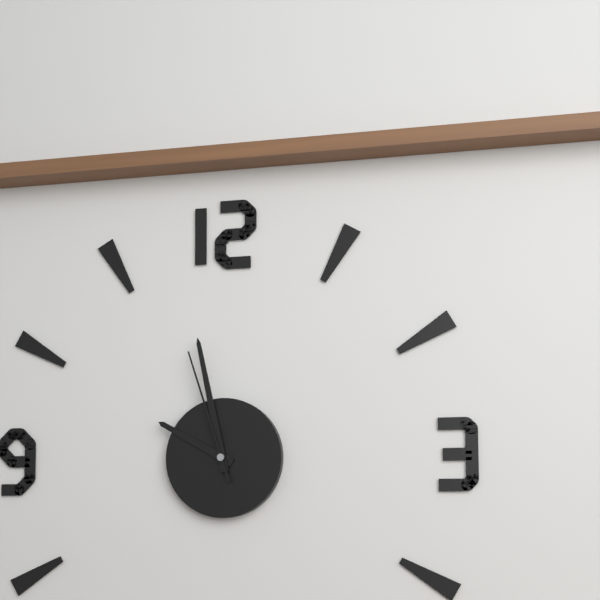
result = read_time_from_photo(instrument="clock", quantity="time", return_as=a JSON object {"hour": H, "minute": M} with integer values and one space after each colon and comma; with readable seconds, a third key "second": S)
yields {"hour": 9, "minute": 58, "second": 57}
